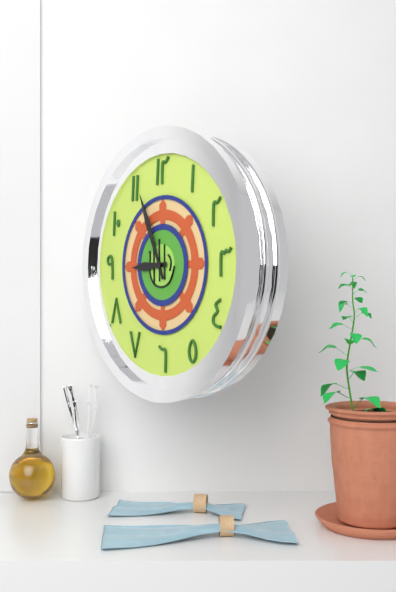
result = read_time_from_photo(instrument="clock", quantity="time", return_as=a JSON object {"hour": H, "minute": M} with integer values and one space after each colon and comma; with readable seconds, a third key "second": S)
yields {"hour": 8, "minute": 56}
